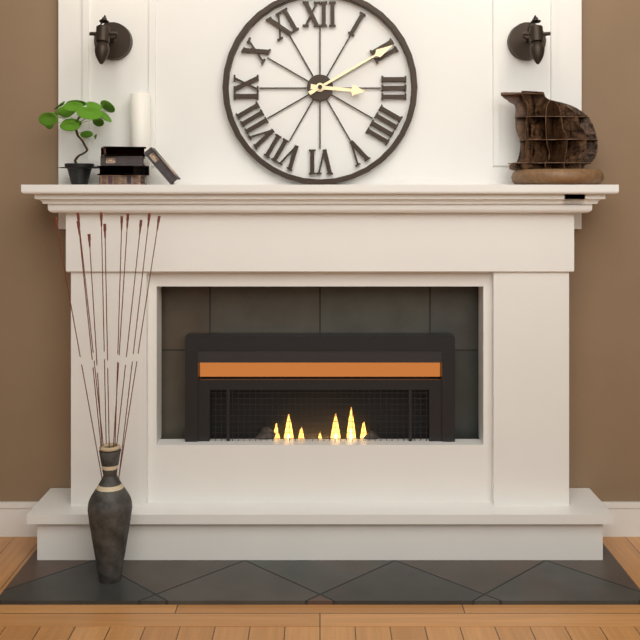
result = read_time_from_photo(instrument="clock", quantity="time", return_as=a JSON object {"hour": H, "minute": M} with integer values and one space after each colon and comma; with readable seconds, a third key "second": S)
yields {"hour": 3, "minute": 10}
